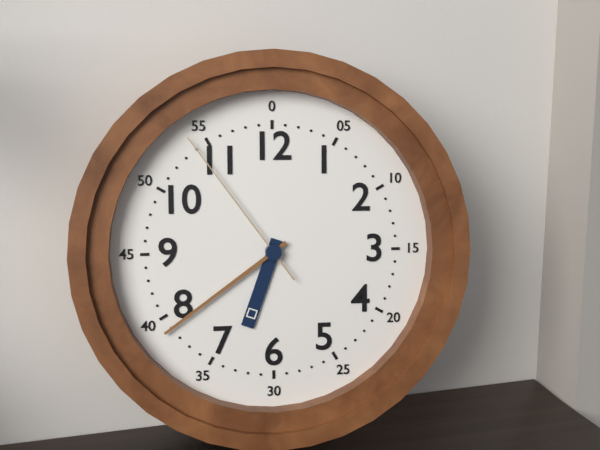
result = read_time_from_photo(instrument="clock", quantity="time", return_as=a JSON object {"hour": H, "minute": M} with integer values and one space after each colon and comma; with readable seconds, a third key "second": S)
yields {"hour": 6, "minute": 39, "second": 54}
